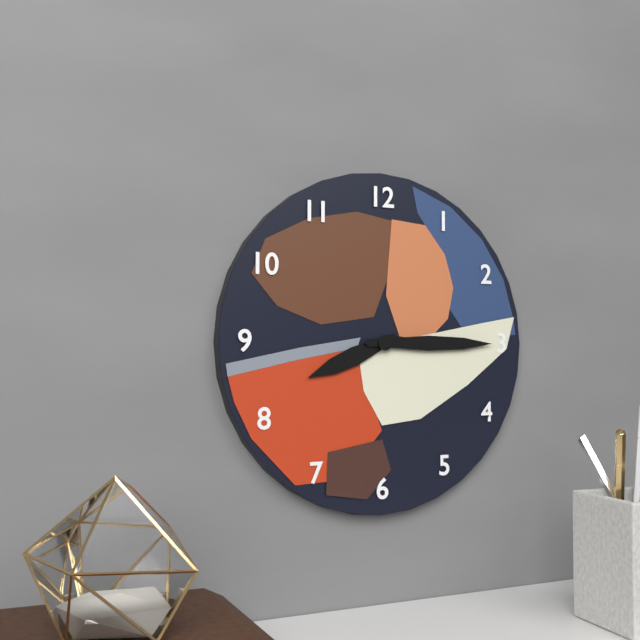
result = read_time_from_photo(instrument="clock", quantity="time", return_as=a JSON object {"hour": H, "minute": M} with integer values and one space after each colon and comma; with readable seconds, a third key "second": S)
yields {"hour": 8, "minute": 15}
